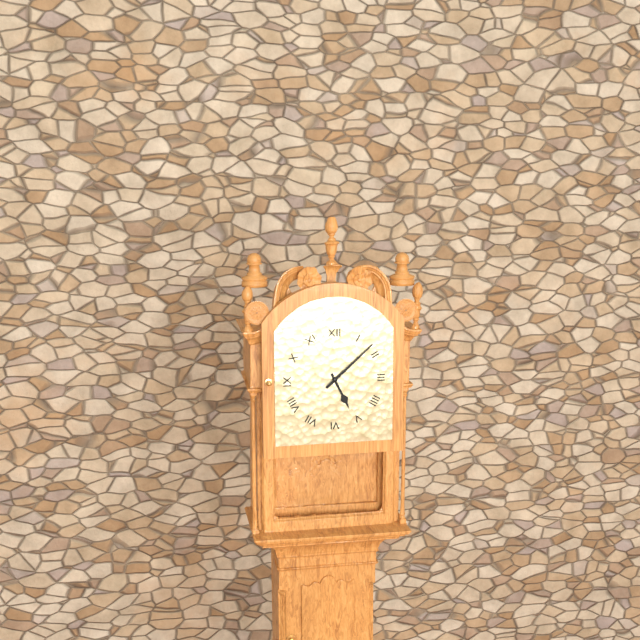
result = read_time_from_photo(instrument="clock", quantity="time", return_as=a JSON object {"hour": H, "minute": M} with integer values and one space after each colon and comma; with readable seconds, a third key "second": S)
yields {"hour": 5, "minute": 8}
